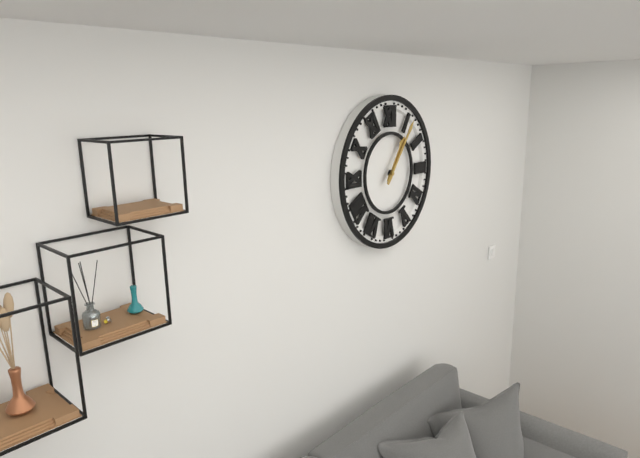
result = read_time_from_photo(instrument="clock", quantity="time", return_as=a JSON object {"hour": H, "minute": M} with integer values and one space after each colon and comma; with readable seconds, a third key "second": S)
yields {"hour": 1, "minute": 6}
